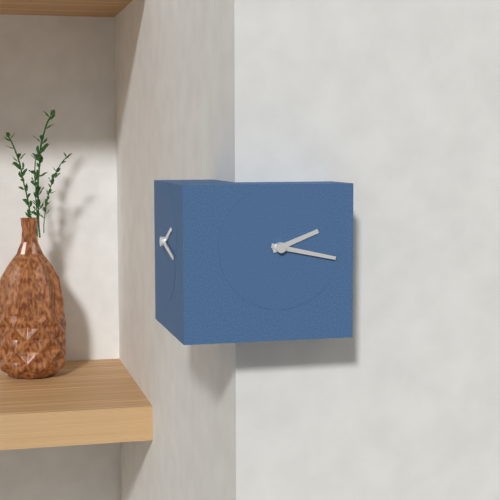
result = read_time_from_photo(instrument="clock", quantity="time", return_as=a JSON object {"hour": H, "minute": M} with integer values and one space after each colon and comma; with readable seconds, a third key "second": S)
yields {"hour": 2, "minute": 17}
